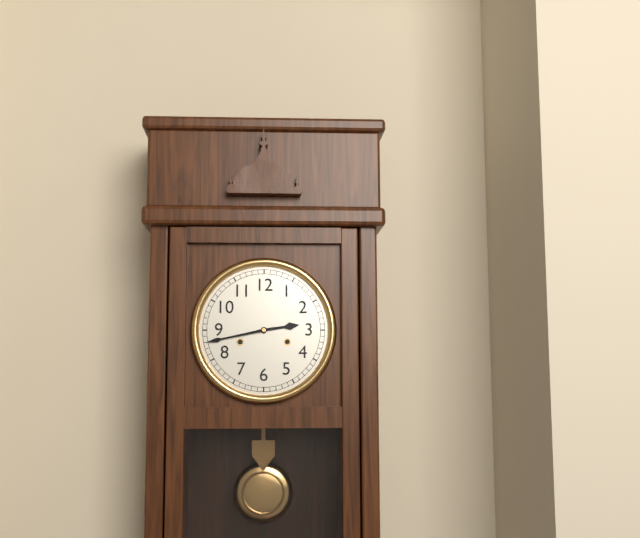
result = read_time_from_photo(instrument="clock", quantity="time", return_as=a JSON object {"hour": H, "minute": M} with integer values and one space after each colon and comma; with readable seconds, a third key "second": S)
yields {"hour": 2, "minute": 43}
